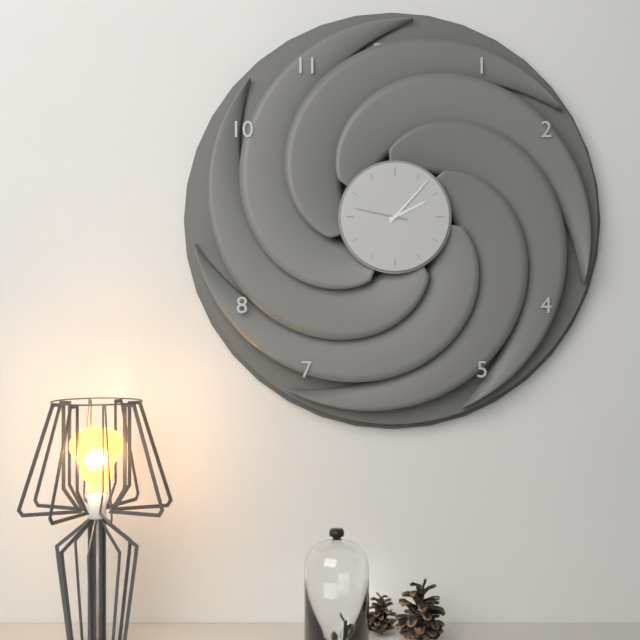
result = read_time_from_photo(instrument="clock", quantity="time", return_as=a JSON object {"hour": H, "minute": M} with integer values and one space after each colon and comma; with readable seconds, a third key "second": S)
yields {"hour": 2, "minute": 7, "second": 47}
